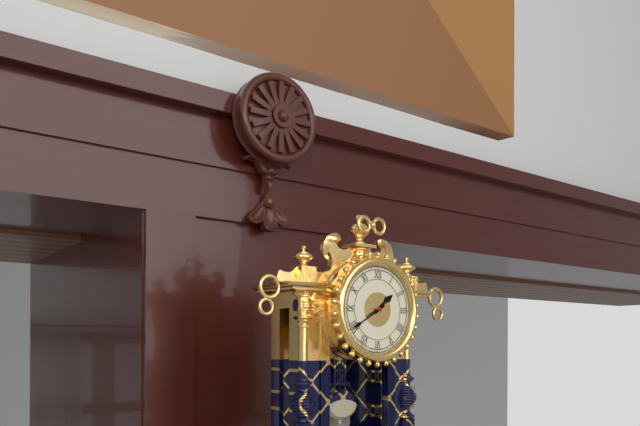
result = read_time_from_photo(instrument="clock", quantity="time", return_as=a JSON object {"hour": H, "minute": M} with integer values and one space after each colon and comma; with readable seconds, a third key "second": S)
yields {"hour": 1, "minute": 40}
